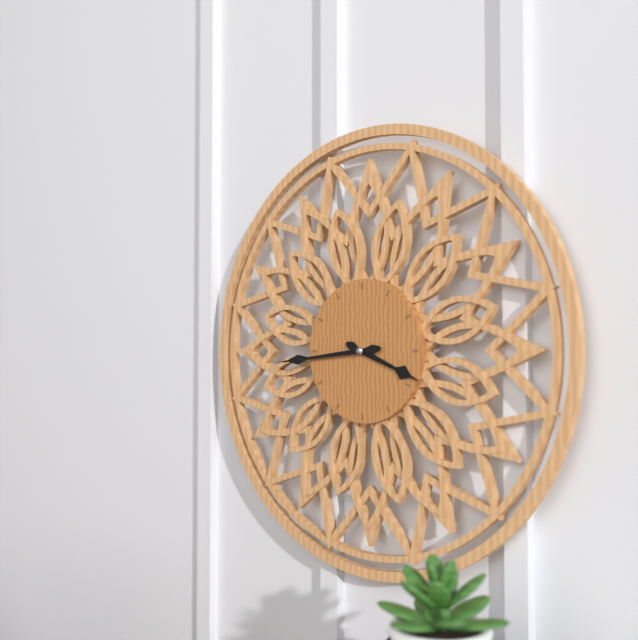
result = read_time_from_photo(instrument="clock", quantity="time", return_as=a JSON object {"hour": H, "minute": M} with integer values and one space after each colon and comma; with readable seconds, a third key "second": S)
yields {"hour": 3, "minute": 44}
